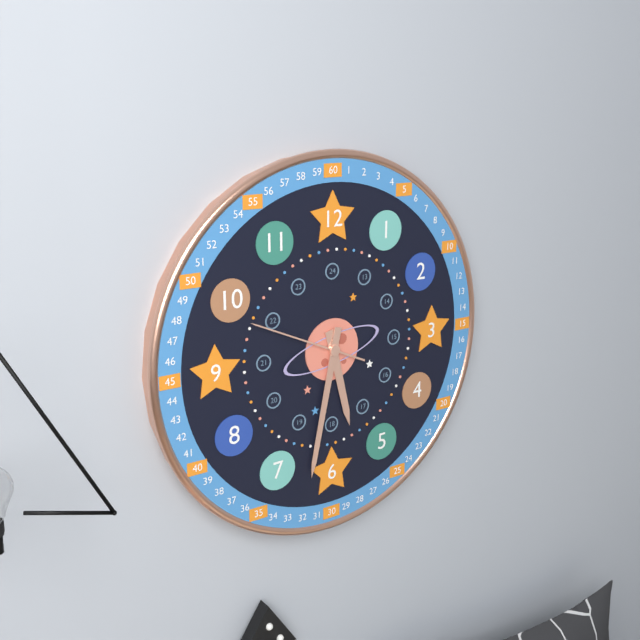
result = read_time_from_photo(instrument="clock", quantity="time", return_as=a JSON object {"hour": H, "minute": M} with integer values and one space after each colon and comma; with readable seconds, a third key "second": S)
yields {"hour": 5, "minute": 32, "second": 49}
